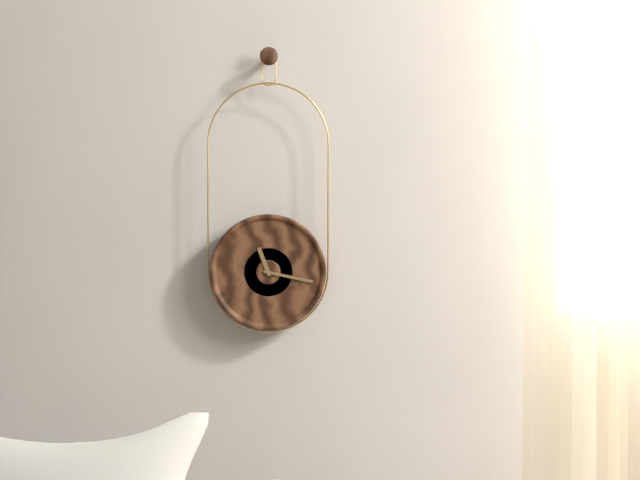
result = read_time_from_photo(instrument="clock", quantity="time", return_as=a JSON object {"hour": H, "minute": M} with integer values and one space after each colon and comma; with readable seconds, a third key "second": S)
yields {"hour": 11, "minute": 17}
